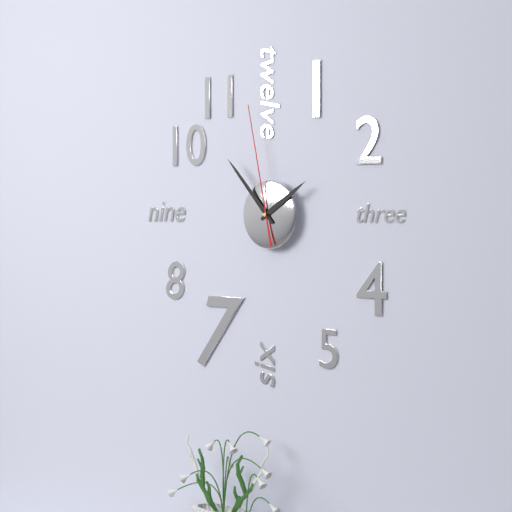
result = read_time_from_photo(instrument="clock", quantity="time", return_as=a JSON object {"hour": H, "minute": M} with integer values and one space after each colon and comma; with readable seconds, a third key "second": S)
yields {"hour": 1, "minute": 53, "second": 58}
